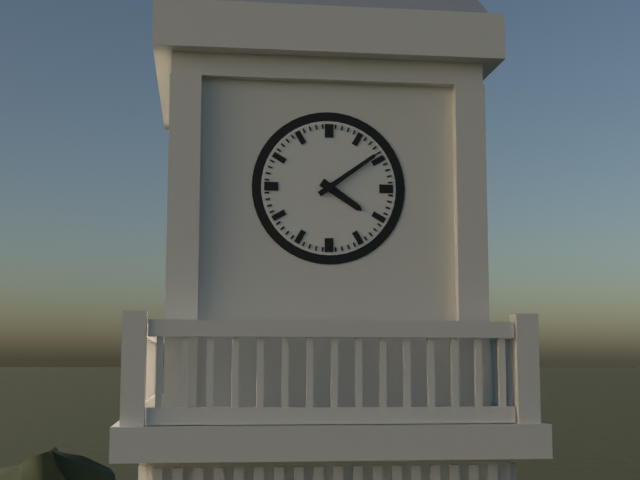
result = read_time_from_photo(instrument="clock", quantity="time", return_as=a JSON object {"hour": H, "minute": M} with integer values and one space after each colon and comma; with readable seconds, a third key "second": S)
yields {"hour": 4, "minute": 9}
